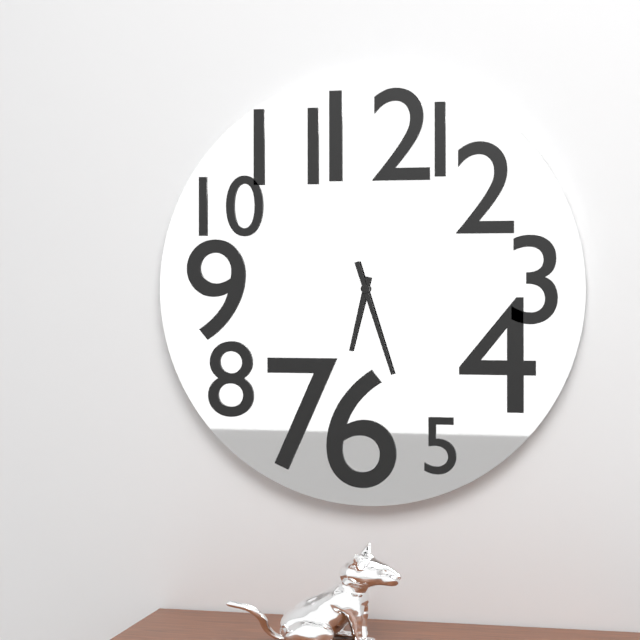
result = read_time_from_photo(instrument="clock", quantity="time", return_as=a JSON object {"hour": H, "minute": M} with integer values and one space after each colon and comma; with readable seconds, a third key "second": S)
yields {"hour": 6, "minute": 27}
